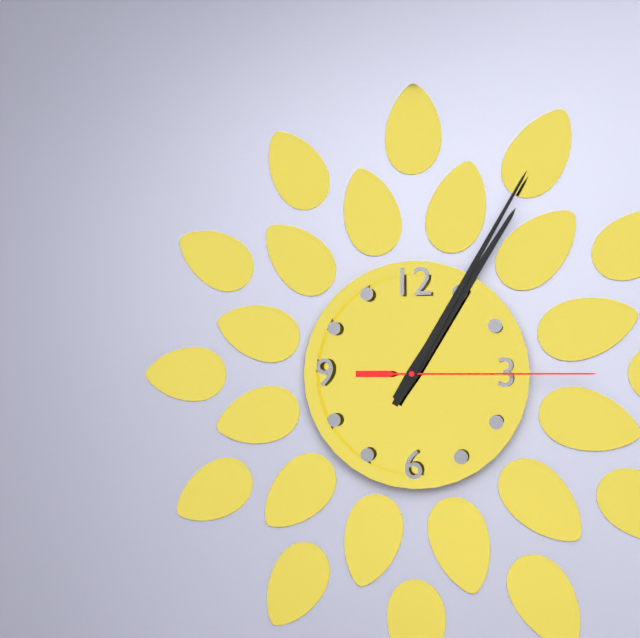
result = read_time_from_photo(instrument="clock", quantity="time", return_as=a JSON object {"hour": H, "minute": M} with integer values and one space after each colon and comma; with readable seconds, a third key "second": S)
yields {"hour": 1, "minute": 5, "second": 15}
